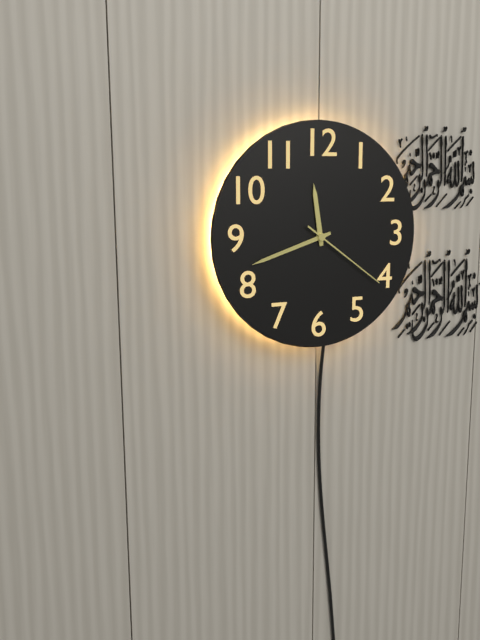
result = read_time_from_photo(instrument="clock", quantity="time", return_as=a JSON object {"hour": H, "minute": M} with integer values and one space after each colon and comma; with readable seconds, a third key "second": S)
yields {"hour": 11, "minute": 42, "second": 21}
